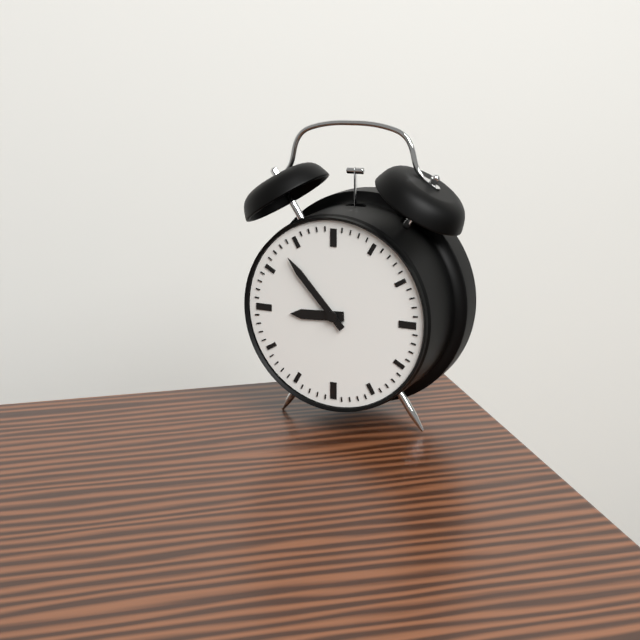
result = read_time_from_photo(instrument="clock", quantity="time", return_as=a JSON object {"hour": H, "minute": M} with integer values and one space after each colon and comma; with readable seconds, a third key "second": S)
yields {"hour": 8, "minute": 53}
